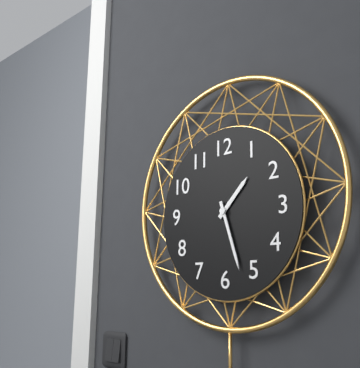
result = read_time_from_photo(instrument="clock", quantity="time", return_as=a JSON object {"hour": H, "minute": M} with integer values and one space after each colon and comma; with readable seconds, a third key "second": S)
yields {"hour": 1, "minute": 27}
